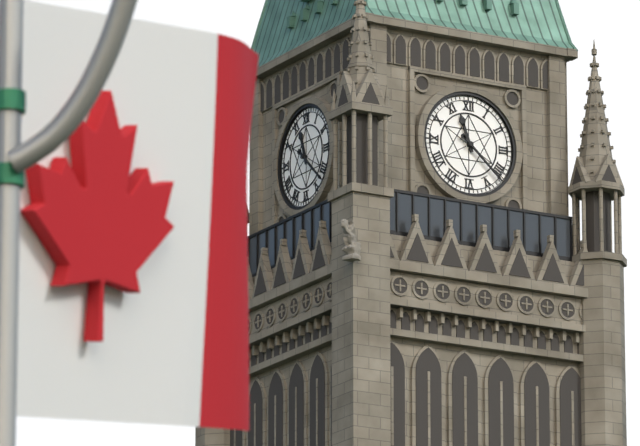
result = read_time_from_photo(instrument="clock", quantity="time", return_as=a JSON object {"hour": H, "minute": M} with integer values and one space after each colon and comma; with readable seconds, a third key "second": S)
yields {"hour": 11, "minute": 22}
